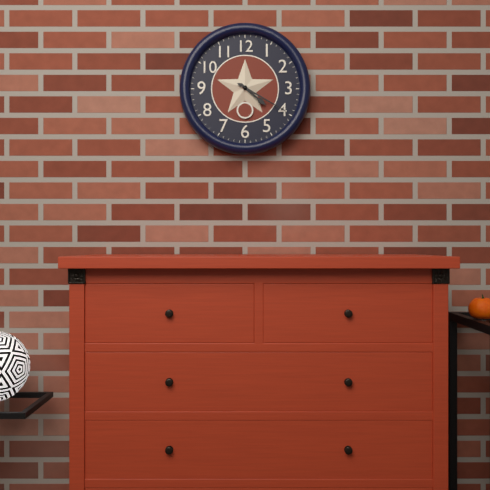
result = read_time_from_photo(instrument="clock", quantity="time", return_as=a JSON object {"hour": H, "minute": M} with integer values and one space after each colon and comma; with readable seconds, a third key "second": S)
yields {"hour": 4, "minute": 20}
